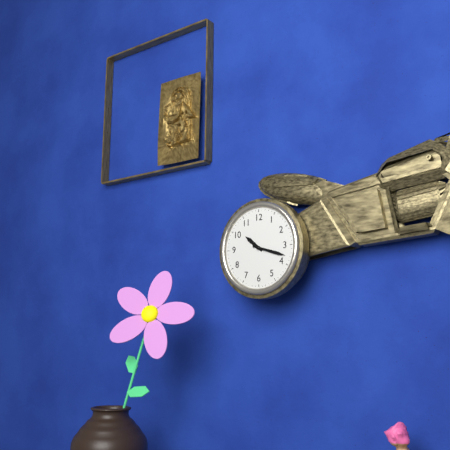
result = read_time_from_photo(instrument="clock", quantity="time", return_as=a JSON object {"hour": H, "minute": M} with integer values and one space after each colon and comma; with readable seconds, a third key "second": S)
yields {"hour": 10, "minute": 18}
